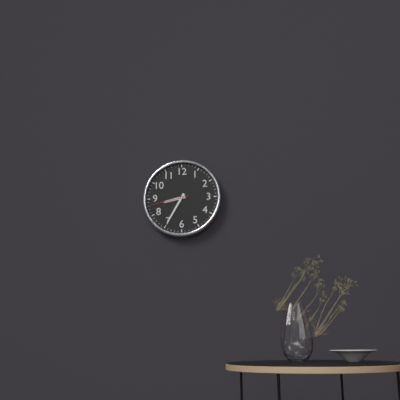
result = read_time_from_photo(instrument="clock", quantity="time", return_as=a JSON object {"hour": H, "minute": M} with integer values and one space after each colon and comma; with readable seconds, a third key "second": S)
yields {"hour": 8, "minute": 35}
